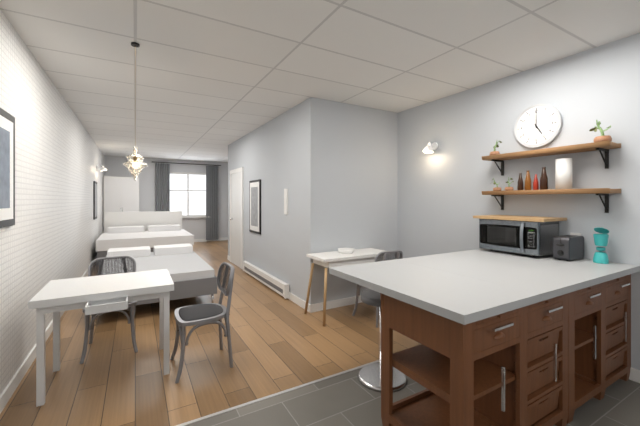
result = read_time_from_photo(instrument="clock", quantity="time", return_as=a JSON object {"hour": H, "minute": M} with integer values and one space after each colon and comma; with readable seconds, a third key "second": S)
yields {"hour": 5, "minute": 0}
